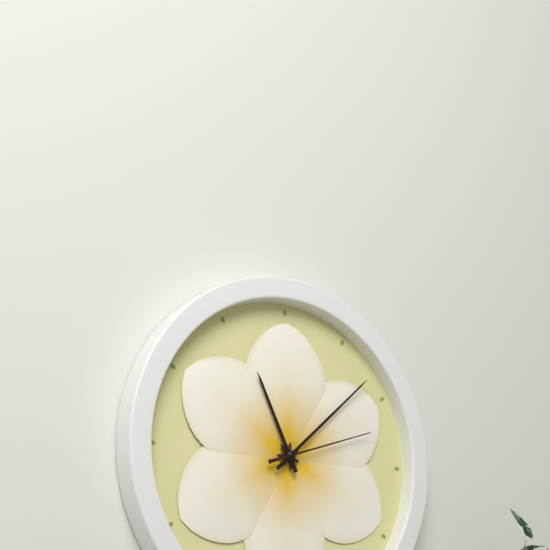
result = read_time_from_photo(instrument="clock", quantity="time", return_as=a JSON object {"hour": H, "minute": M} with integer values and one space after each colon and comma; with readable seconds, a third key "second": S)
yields {"hour": 11, "minute": 8, "second": 12}
